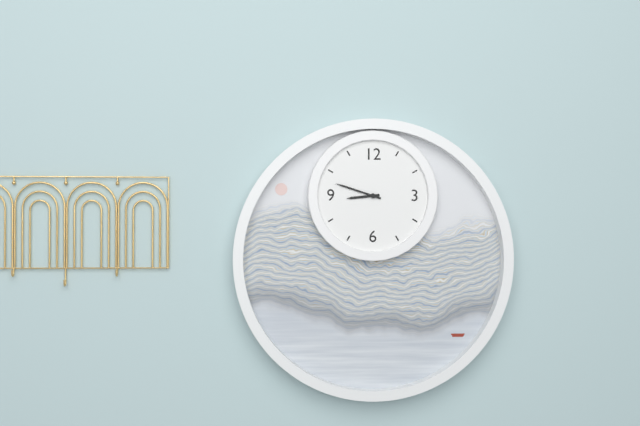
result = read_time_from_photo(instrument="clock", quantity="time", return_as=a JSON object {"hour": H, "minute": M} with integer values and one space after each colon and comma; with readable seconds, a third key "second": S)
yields {"hour": 8, "minute": 48}
